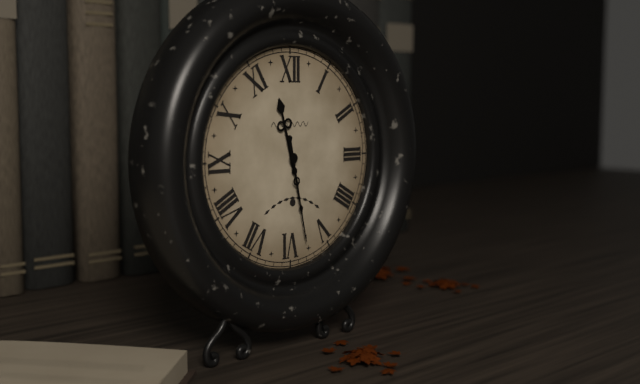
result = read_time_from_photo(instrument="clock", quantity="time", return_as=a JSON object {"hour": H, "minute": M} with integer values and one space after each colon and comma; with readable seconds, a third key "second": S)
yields {"hour": 11, "minute": 28}
